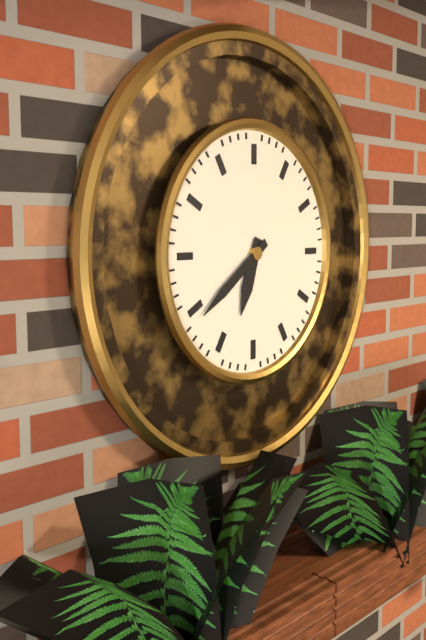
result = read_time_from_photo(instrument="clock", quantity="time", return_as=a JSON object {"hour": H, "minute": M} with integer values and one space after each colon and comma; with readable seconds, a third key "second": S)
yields {"hour": 6, "minute": 39}
